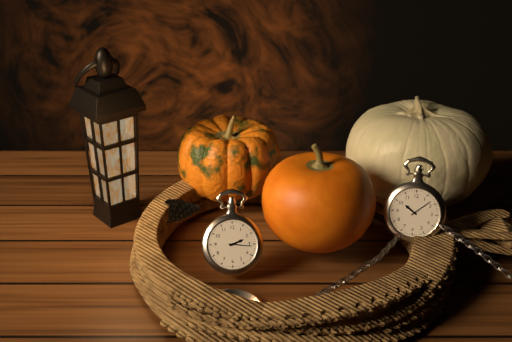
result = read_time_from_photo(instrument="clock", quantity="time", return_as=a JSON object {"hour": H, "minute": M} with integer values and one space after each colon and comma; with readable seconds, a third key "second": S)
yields {"hour": 2, "minute": 16}
